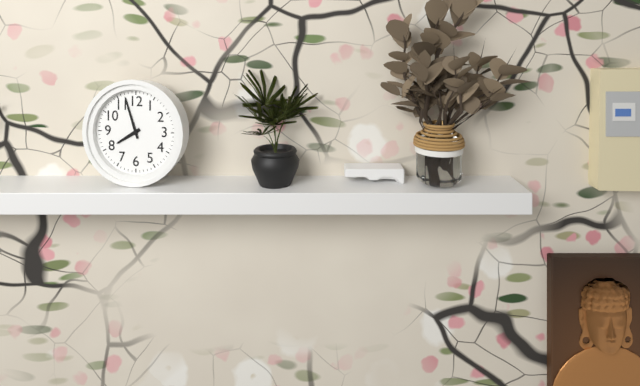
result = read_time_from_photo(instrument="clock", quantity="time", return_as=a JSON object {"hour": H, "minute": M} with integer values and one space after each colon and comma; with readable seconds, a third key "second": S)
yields {"hour": 7, "minute": 57}
